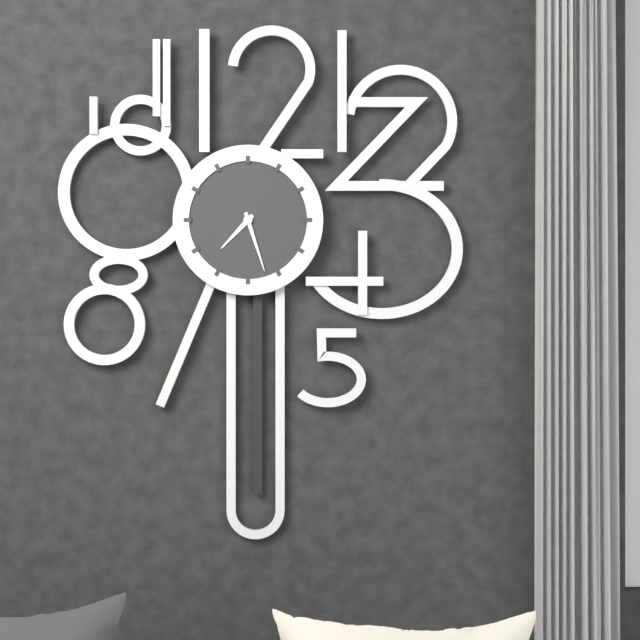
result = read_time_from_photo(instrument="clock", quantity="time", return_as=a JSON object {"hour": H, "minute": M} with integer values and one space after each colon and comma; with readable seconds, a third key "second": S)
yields {"hour": 7, "minute": 27}
